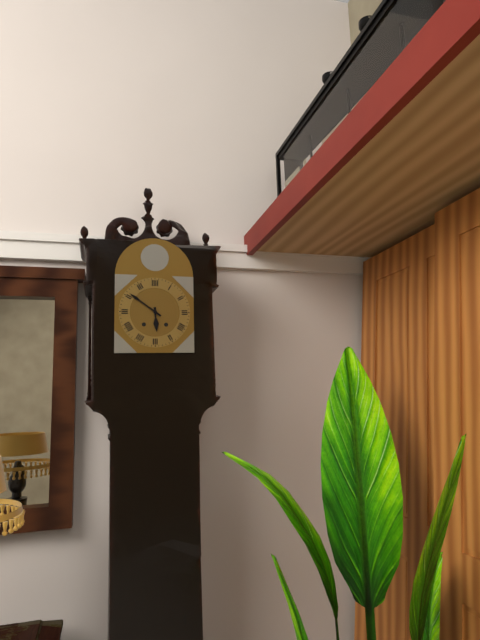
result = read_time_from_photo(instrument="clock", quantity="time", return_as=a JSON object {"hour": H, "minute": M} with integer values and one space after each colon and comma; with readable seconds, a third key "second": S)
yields {"hour": 5, "minute": 51}
